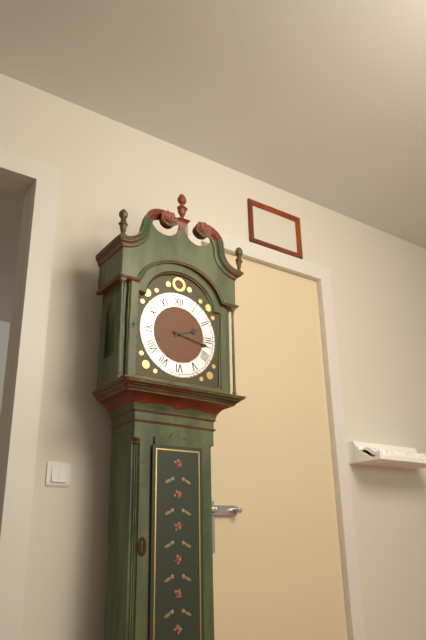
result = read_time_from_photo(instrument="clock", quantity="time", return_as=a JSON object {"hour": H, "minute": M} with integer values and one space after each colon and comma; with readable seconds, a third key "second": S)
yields {"hour": 2, "minute": 17}
